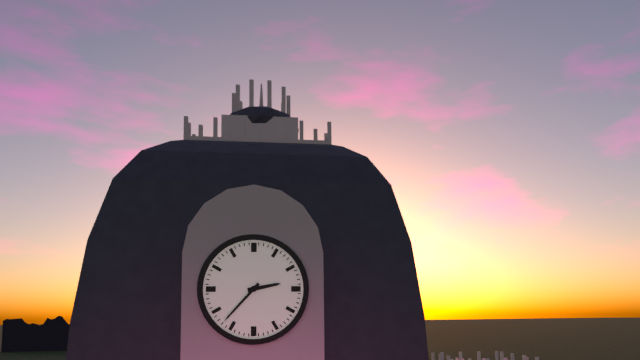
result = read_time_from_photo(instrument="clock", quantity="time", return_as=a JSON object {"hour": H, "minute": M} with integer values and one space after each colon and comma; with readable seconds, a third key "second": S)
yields {"hour": 2, "minute": 37}
